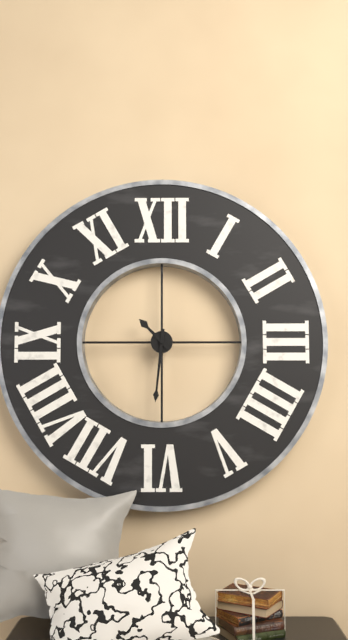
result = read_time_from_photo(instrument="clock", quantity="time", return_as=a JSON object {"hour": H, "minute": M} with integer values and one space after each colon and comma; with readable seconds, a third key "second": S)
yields {"hour": 10, "minute": 31}
